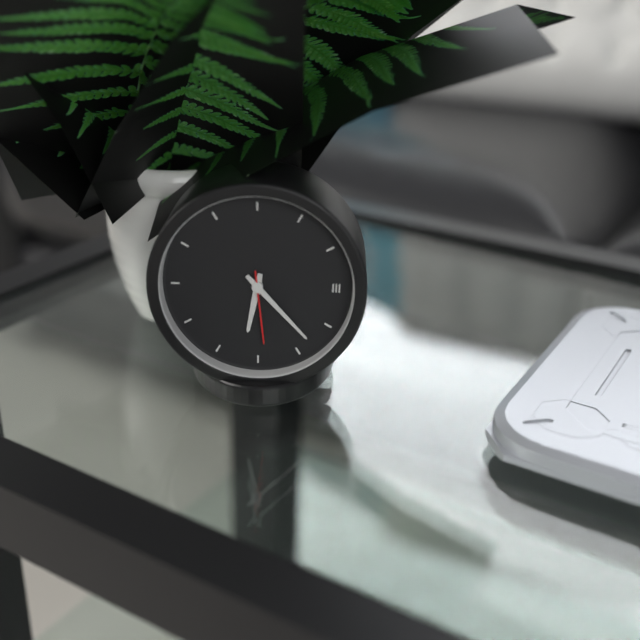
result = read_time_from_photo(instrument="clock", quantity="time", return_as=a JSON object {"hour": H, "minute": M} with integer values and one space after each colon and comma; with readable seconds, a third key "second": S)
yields {"hour": 6, "minute": 23, "second": 29}
